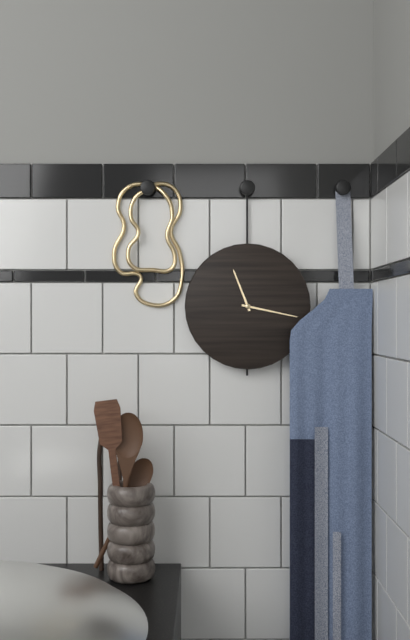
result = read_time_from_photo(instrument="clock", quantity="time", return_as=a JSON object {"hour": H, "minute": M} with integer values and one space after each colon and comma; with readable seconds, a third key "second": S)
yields {"hour": 11, "minute": 17}
